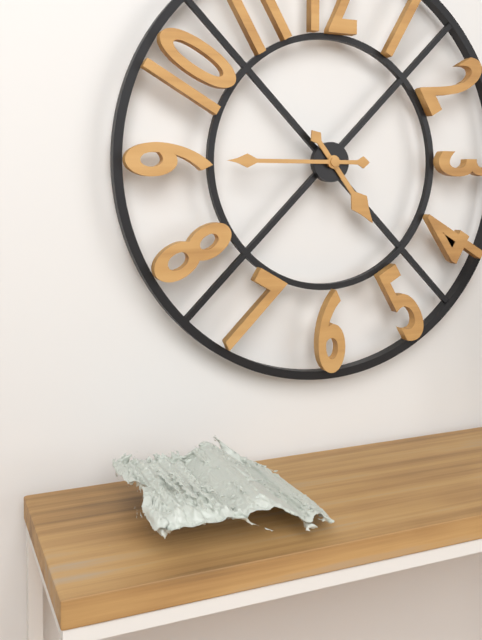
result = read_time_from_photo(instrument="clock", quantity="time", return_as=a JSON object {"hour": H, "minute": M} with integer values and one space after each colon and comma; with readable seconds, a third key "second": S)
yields {"hour": 4, "minute": 45}
